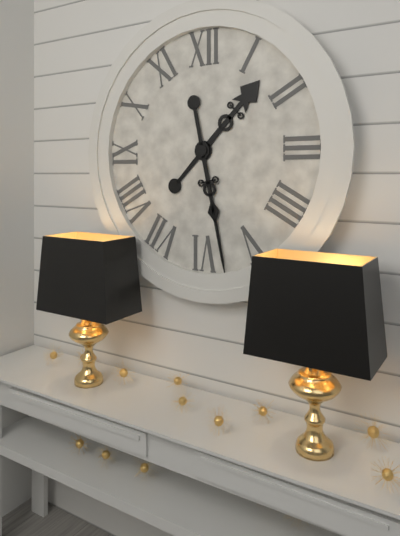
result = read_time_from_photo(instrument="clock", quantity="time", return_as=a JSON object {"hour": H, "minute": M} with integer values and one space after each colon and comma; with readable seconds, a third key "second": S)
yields {"hour": 1, "minute": 28}
